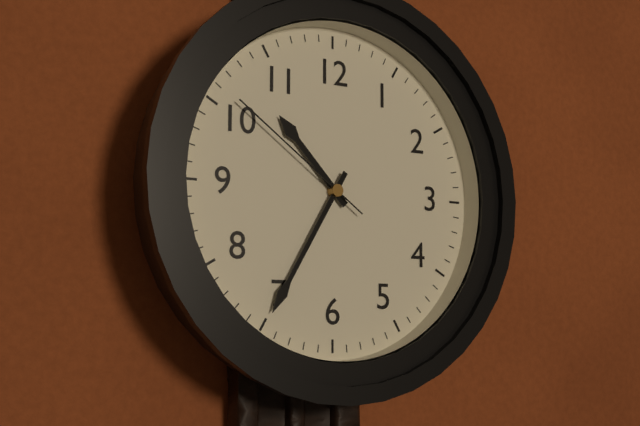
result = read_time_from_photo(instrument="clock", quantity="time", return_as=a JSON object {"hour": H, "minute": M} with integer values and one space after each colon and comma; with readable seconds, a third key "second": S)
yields {"hour": 10, "minute": 35, "second": 51}
